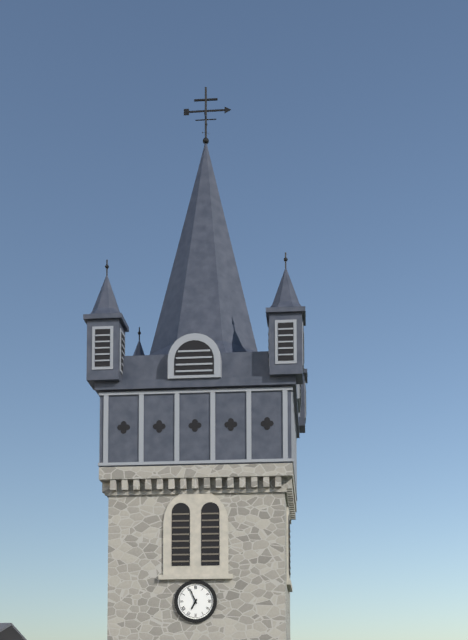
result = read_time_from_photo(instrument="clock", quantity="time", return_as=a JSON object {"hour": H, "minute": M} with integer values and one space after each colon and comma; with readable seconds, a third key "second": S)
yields {"hour": 6, "minute": 56}
